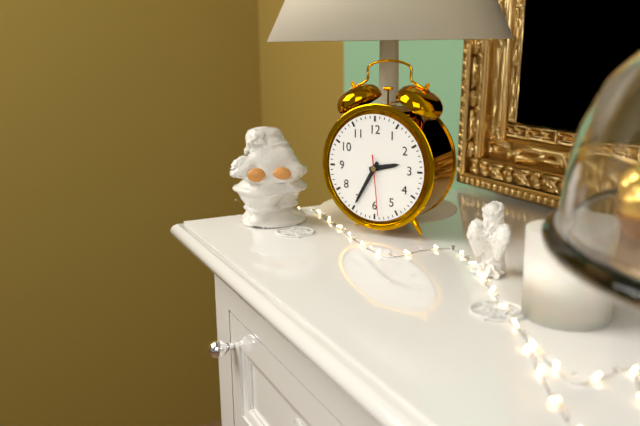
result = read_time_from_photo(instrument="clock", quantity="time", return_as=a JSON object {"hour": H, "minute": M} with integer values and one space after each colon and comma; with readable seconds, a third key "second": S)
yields {"hour": 2, "minute": 35, "second": 29}
